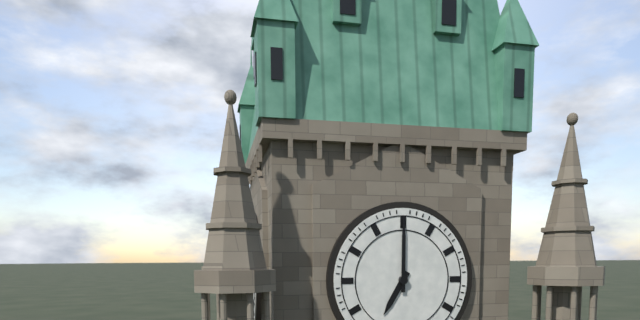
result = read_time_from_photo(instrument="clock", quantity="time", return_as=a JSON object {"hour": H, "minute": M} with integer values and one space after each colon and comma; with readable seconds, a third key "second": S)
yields {"hour": 7, "minute": 0}
